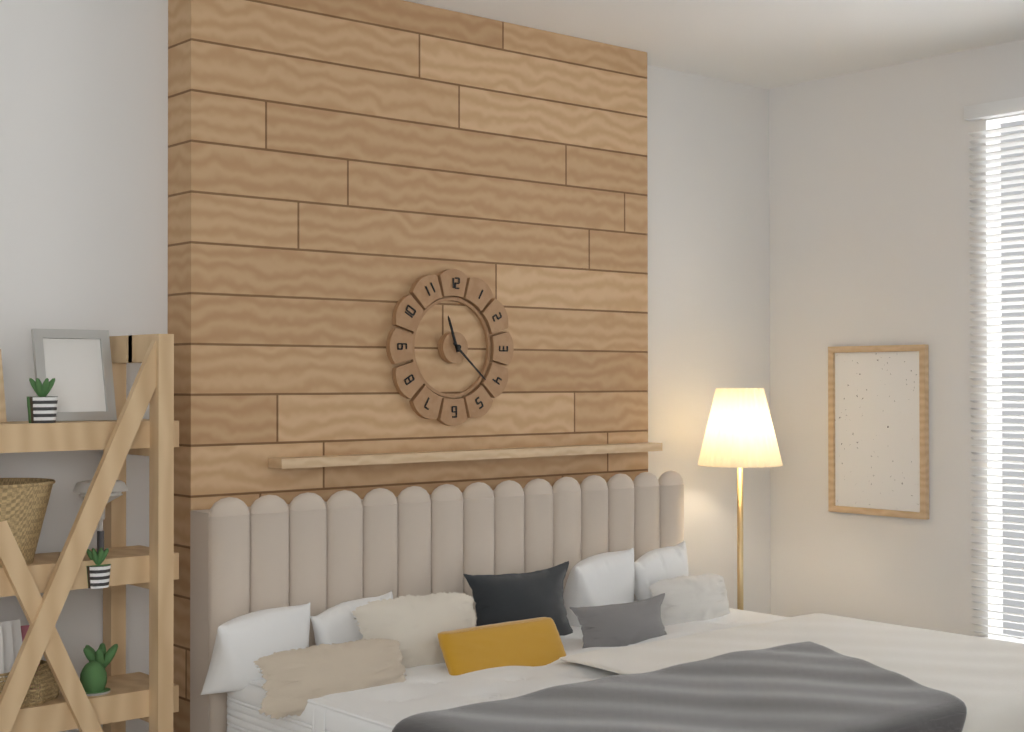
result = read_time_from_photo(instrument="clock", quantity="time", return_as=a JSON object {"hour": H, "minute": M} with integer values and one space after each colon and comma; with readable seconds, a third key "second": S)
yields {"hour": 11, "minute": 22}
